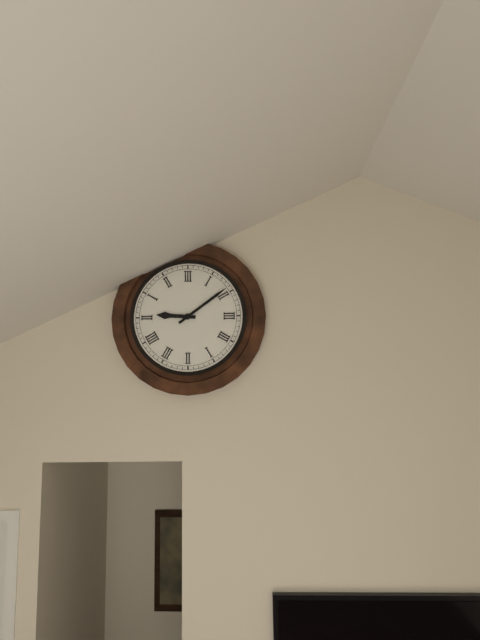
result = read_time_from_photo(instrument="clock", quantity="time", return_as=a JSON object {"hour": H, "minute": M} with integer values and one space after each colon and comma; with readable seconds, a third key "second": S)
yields {"hour": 9, "minute": 9}
